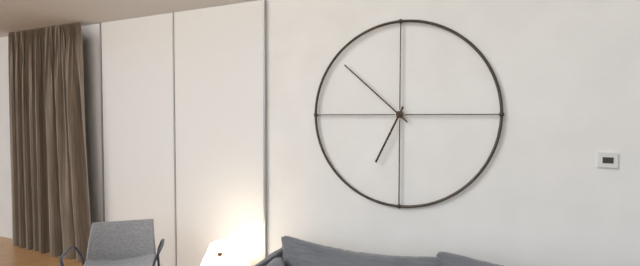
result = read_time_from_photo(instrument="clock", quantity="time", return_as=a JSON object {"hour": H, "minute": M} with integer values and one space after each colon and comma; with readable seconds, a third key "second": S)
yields {"hour": 6, "minute": 52}
